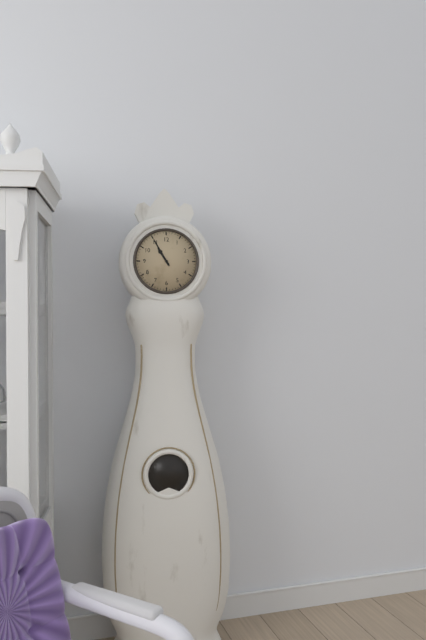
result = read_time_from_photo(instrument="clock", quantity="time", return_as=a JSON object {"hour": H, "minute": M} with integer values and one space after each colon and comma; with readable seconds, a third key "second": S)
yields {"hour": 10, "minute": 55}
